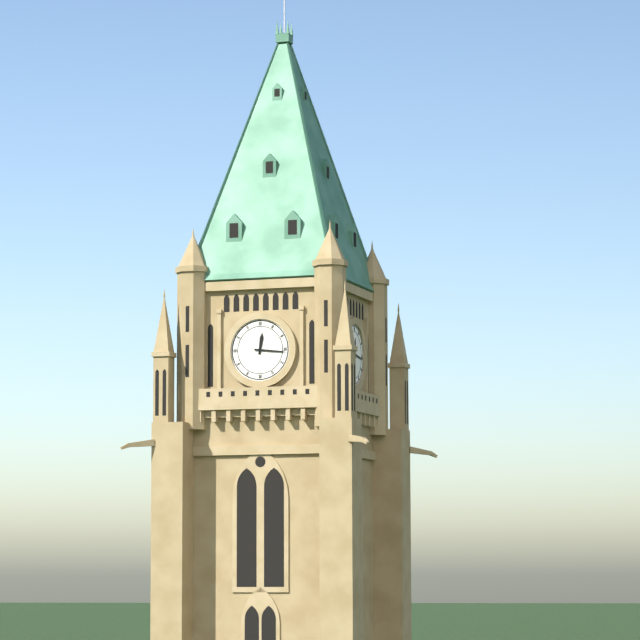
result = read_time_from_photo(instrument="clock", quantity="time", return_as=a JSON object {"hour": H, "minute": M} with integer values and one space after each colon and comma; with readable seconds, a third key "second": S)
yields {"hour": 12, "minute": 16}
